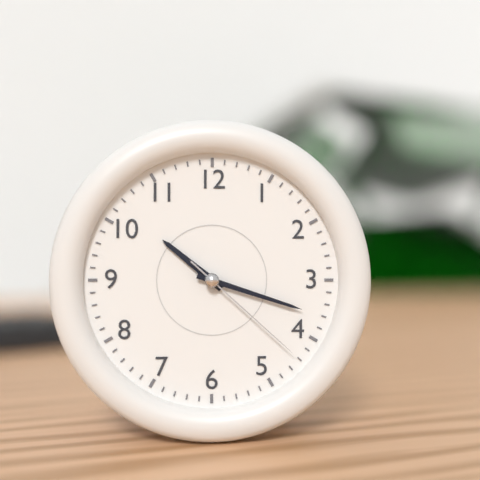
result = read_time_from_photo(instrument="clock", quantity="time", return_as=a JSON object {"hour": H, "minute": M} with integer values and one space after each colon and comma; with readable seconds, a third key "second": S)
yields {"hour": 10, "minute": 18, "second": 22}
